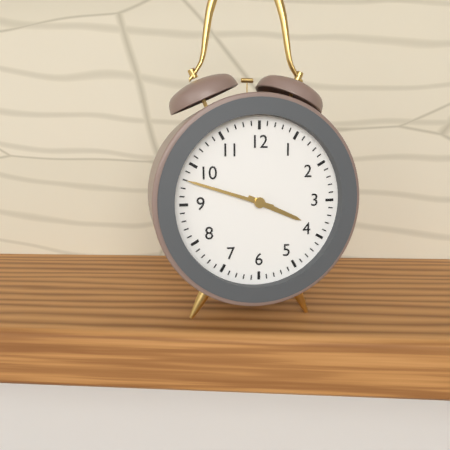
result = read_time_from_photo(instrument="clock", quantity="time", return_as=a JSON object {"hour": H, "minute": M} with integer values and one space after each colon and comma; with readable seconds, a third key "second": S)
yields {"hour": 3, "minute": 48}
